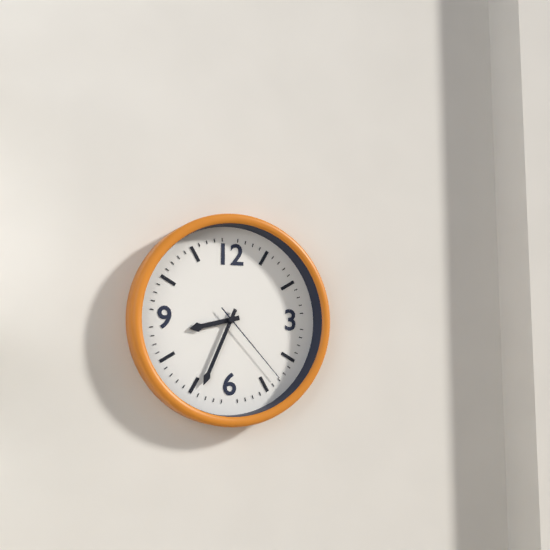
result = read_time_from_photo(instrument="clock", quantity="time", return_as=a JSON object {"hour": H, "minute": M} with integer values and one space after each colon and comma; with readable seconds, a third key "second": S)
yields {"hour": 8, "minute": 34, "second": 23}
